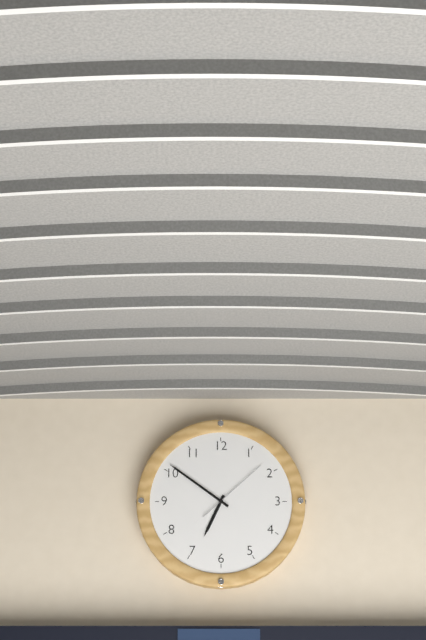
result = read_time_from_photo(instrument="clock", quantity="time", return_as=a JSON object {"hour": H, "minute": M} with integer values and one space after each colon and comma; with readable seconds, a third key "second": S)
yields {"hour": 6, "minute": 51, "second": 8}
